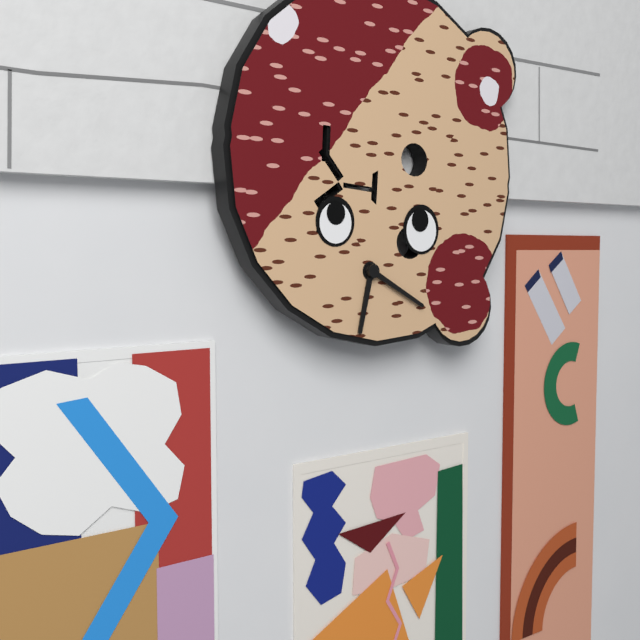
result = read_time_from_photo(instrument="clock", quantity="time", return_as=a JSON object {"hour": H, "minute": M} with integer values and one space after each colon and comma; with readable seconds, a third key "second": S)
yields {"hour": 6, "minute": 19}
